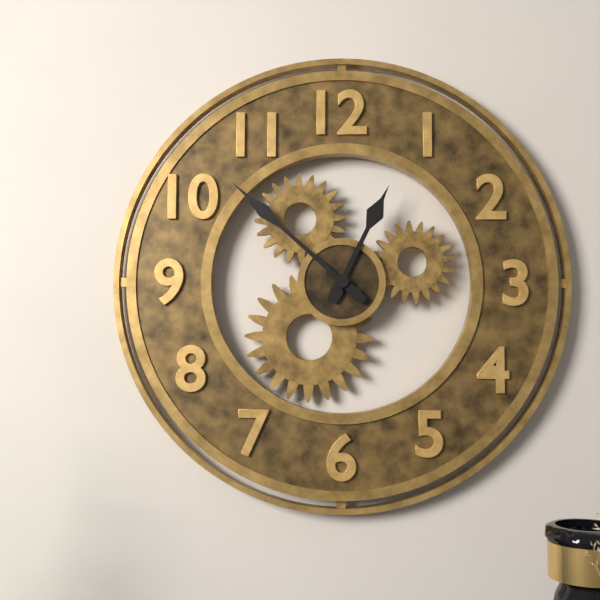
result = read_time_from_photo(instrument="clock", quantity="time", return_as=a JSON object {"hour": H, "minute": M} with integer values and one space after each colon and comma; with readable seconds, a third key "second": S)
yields {"hour": 12, "minute": 52}
